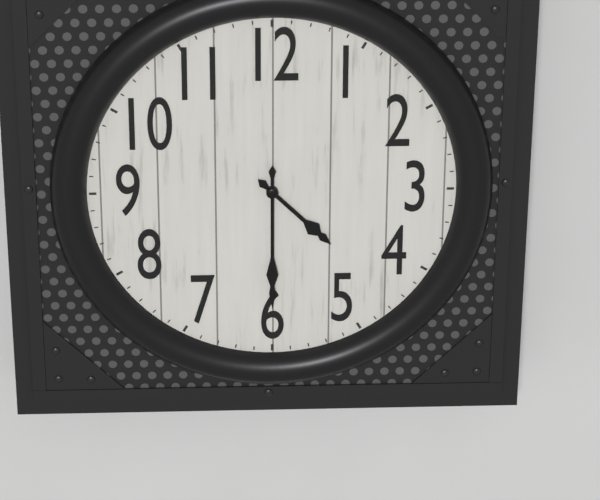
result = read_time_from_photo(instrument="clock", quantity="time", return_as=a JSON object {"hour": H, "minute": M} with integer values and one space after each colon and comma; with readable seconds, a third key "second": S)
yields {"hour": 4, "minute": 30}
